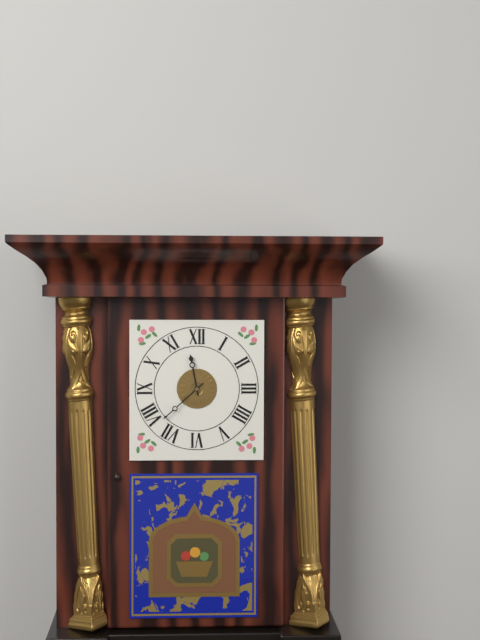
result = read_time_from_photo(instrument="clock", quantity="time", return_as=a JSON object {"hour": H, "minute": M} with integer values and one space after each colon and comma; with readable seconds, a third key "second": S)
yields {"hour": 11, "minute": 38}
